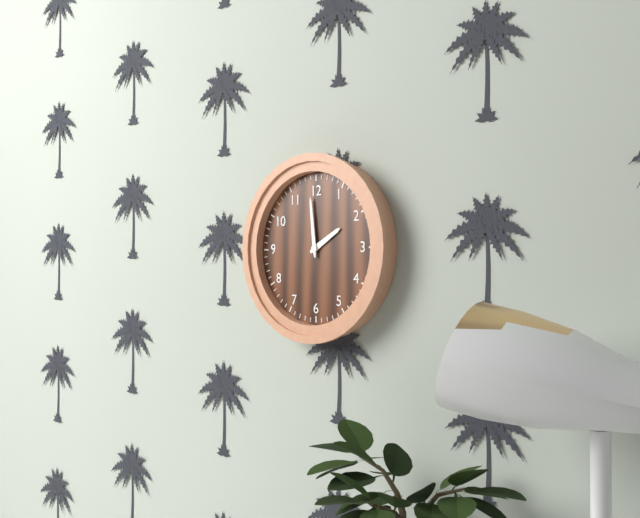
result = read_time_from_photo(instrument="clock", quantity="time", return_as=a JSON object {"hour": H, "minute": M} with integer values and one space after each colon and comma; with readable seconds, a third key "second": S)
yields {"hour": 1, "minute": 59}
